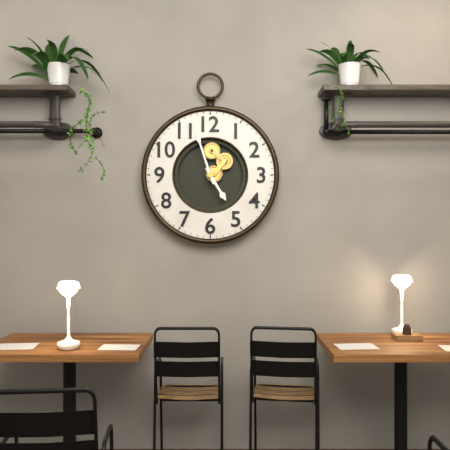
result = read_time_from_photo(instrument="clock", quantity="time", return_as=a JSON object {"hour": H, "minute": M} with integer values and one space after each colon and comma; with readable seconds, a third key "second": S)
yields {"hour": 4, "minute": 57}
